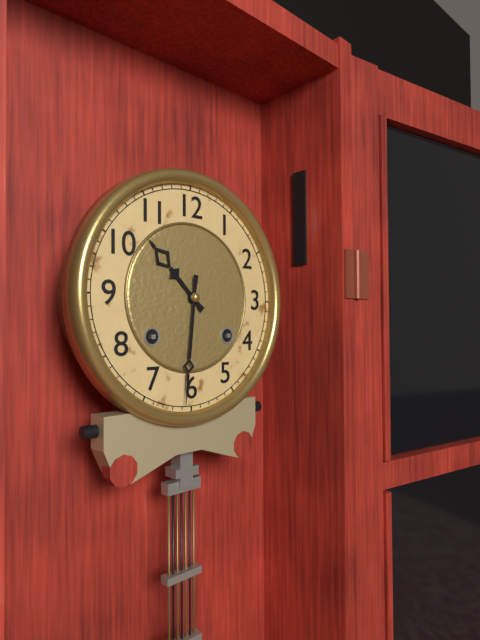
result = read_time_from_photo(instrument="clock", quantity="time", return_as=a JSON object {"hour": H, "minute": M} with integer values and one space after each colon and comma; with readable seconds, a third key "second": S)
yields {"hour": 10, "minute": 31}
